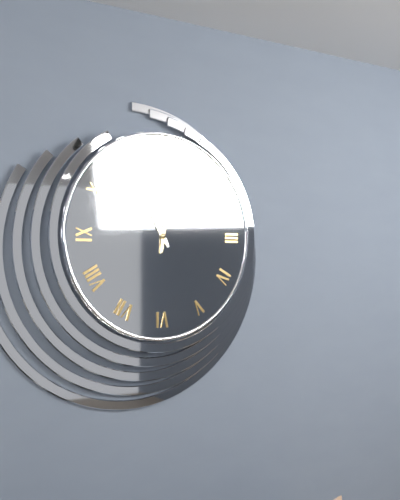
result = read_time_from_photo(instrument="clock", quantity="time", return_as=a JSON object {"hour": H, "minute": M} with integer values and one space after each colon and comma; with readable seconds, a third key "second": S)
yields {"hour": 11, "minute": 1}
